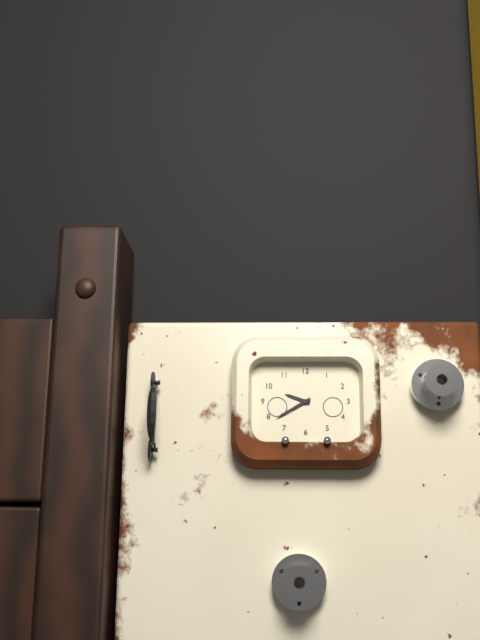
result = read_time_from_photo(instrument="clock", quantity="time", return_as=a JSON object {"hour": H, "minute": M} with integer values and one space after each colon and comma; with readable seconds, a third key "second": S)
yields {"hour": 9, "minute": 40}
